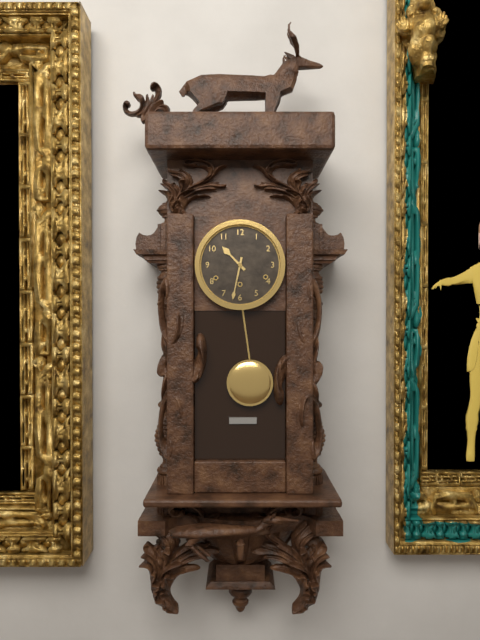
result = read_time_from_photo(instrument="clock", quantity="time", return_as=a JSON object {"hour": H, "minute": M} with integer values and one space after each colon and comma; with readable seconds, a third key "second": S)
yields {"hour": 10, "minute": 32}
